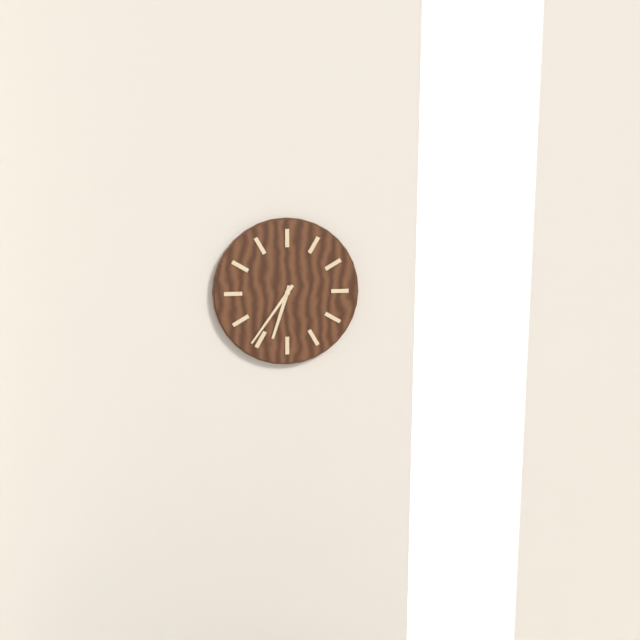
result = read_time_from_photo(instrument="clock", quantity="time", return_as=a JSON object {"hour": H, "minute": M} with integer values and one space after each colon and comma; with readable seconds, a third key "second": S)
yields {"hour": 6, "minute": 36}
